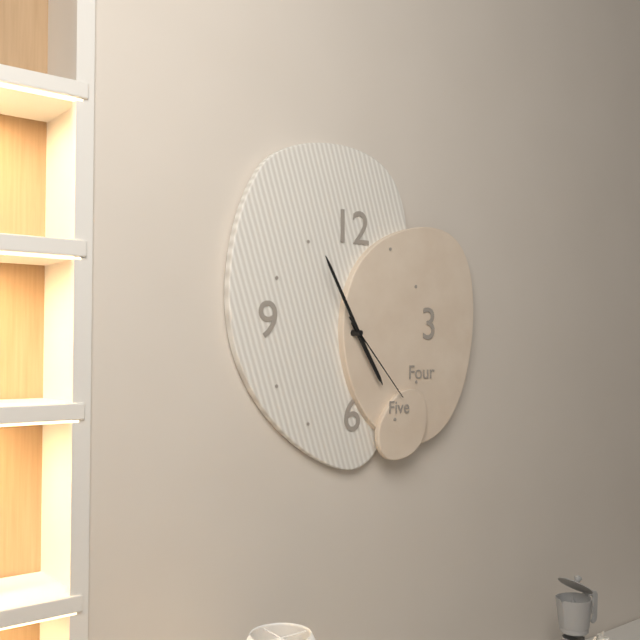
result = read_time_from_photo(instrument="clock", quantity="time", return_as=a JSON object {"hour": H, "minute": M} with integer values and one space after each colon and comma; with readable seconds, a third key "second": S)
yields {"hour": 4, "minute": 55, "second": 23}
